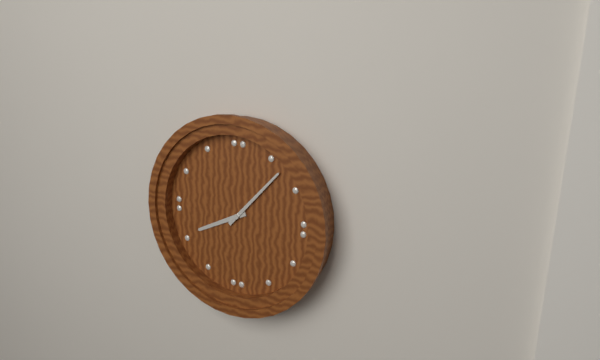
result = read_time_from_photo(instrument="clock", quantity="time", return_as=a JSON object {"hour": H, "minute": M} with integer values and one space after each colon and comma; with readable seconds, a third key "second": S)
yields {"hour": 8, "minute": 7}
